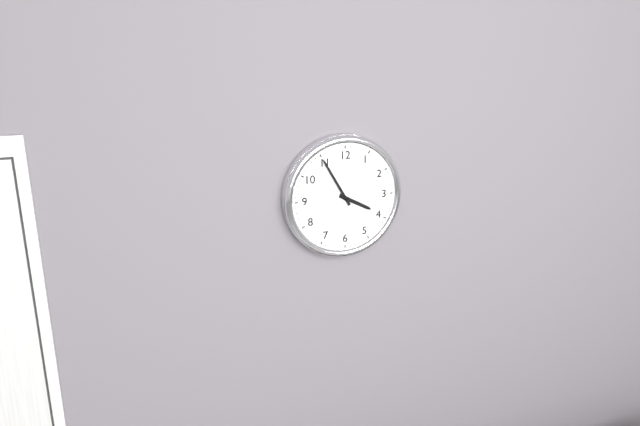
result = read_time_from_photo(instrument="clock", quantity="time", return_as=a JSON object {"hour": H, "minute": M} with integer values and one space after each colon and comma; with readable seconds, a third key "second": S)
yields {"hour": 3, "minute": 55}
